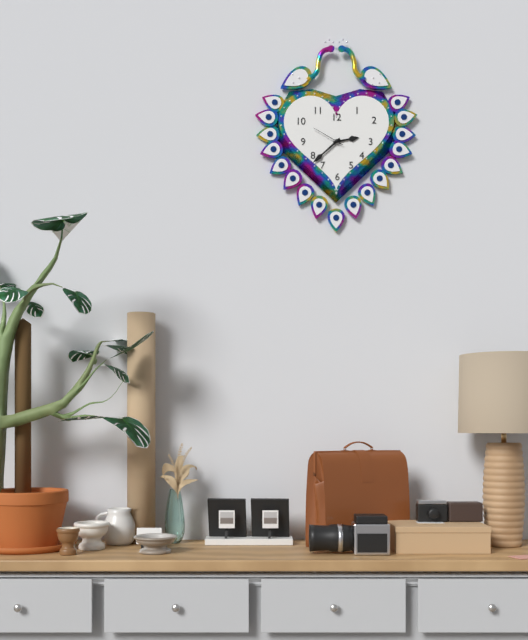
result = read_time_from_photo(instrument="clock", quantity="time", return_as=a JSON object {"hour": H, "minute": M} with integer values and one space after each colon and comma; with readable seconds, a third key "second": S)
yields {"hour": 2, "minute": 38}
